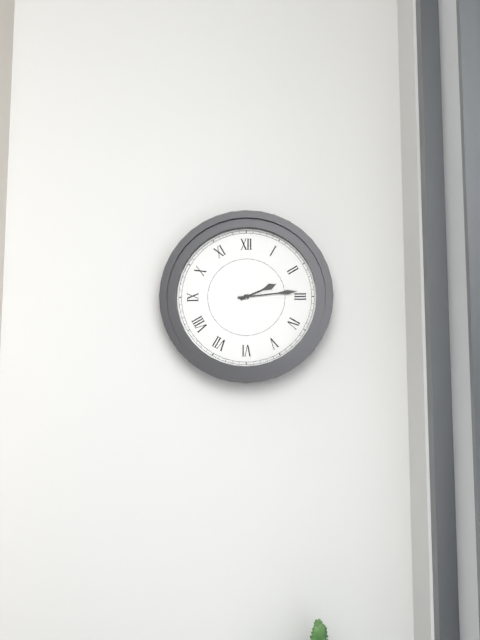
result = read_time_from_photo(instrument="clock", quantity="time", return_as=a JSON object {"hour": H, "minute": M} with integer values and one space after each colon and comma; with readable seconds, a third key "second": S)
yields {"hour": 2, "minute": 14, "second": 29}
